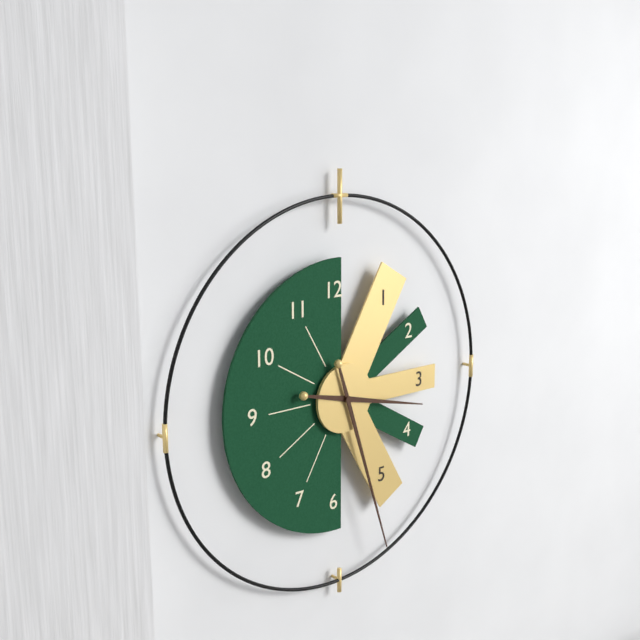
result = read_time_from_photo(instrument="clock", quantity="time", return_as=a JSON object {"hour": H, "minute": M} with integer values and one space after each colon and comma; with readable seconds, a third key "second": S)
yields {"hour": 3, "minute": 27}
